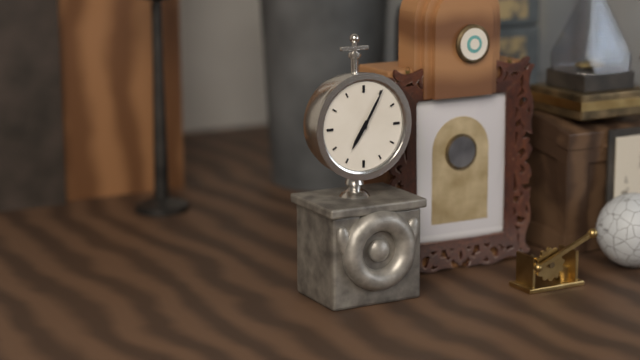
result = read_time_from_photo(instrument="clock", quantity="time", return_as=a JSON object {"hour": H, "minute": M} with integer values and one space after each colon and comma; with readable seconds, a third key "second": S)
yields {"hour": 7, "minute": 5}
